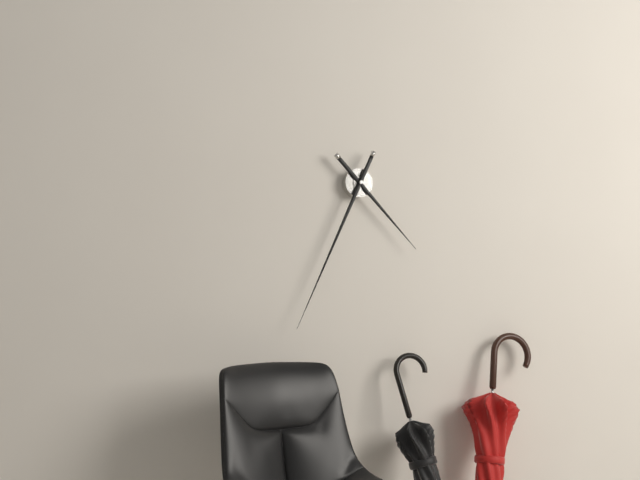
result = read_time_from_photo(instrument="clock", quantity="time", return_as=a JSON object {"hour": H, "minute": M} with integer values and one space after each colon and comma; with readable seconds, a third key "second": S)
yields {"hour": 4, "minute": 34}
